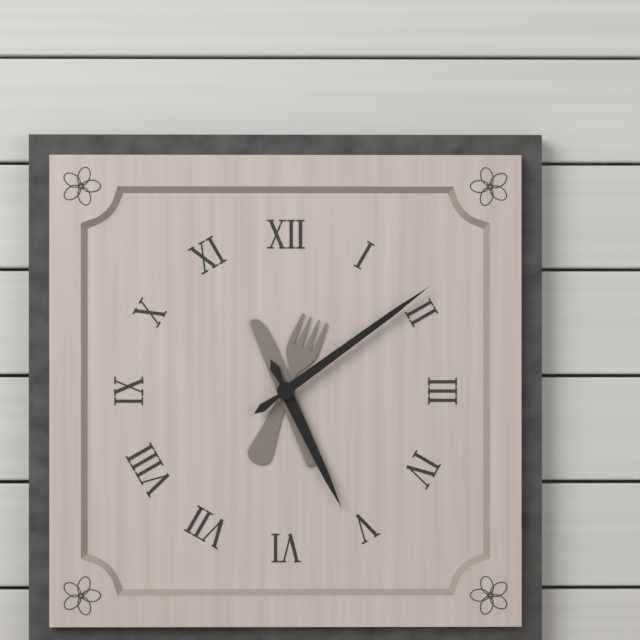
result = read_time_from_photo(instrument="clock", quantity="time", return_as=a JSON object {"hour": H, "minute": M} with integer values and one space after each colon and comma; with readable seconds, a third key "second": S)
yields {"hour": 5, "minute": 9}
